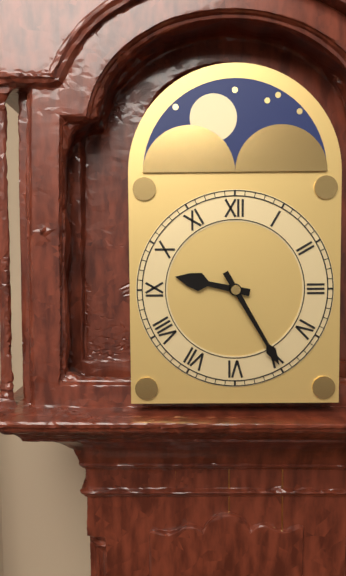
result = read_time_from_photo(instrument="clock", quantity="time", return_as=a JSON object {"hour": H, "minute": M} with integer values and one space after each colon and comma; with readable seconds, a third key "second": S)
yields {"hour": 9, "minute": 25}
